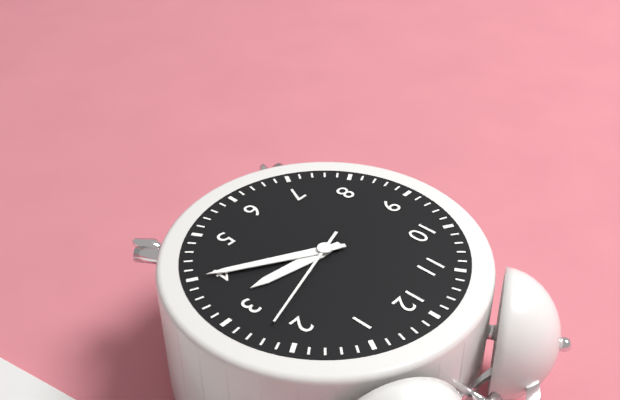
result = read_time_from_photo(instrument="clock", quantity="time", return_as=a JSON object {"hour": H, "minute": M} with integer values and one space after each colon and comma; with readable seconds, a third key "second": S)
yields {"hour": 3, "minute": 20, "second": 12}
